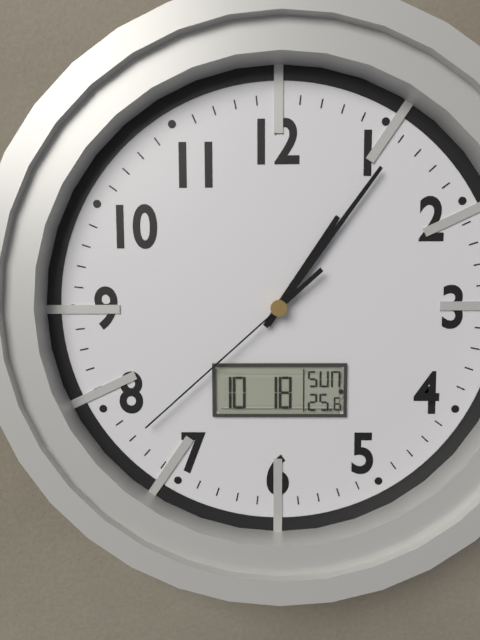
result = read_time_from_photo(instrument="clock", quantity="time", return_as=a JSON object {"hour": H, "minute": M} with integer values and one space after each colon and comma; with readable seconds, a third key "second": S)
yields {"hour": 1, "minute": 6, "second": 38}
